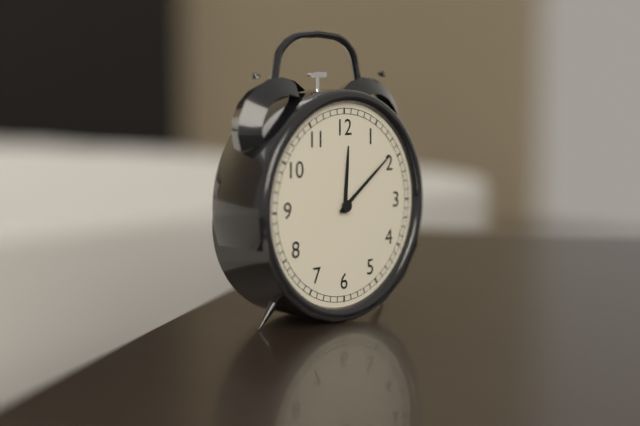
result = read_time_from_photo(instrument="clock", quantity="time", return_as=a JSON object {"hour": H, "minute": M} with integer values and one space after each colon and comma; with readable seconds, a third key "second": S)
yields {"hour": 12, "minute": 9}
